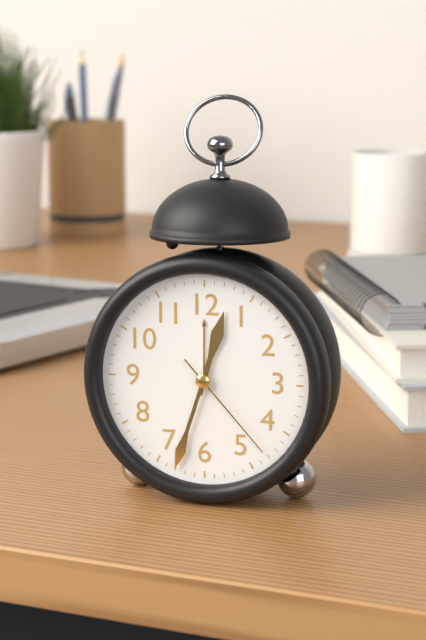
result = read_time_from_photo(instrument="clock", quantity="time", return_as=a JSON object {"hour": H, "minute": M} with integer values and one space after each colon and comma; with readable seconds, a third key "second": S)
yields {"hour": 12, "minute": 33, "second": 23}
